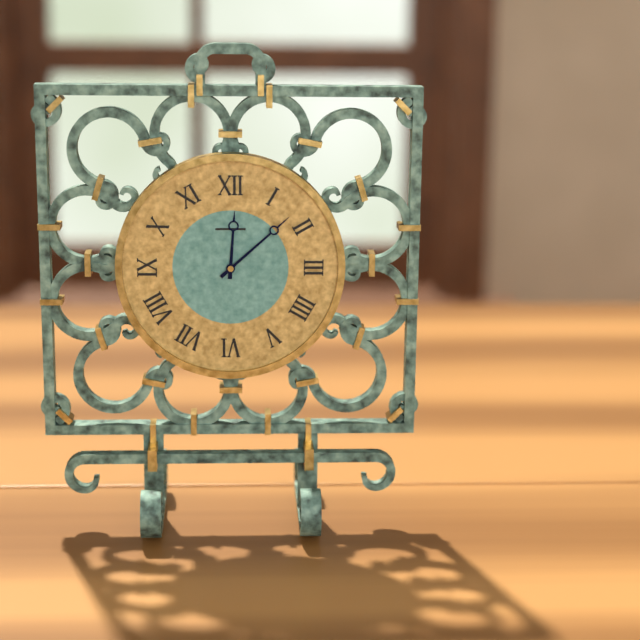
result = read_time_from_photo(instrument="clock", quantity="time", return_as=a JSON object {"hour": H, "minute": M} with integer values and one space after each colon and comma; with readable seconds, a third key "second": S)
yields {"hour": 12, "minute": 8}
